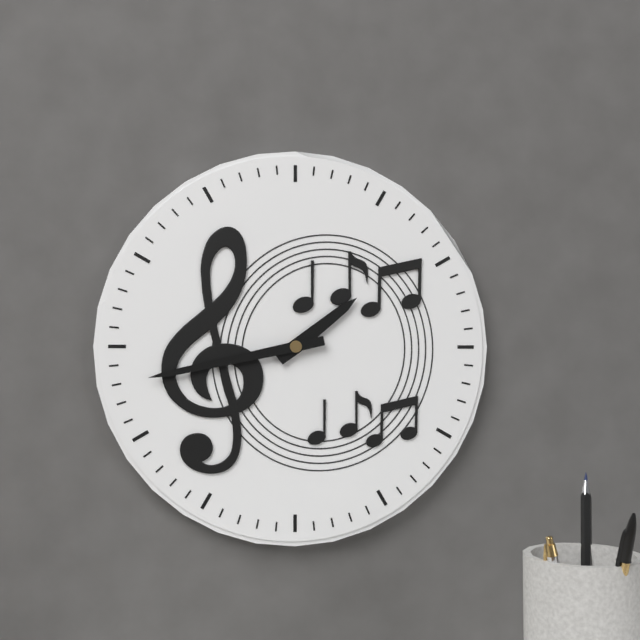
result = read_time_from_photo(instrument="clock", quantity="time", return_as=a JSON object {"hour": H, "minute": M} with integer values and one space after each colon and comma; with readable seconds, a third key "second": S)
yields {"hour": 1, "minute": 43}
